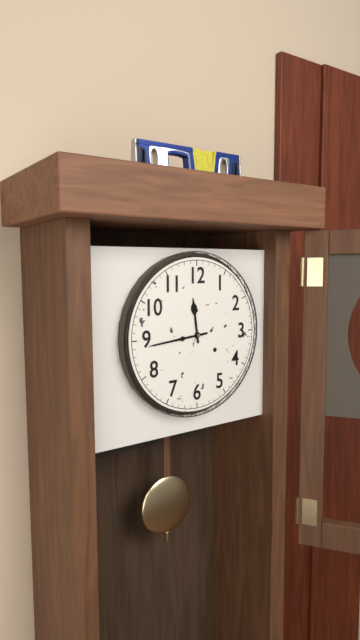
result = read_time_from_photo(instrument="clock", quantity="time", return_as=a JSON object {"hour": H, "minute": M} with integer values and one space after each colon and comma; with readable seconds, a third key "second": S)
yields {"hour": 11, "minute": 44}
